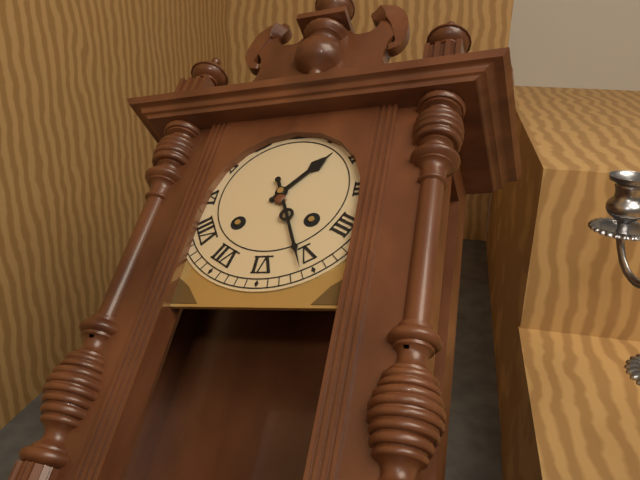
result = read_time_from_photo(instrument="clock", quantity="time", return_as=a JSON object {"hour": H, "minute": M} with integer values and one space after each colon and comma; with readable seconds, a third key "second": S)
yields {"hour": 1, "minute": 26}
